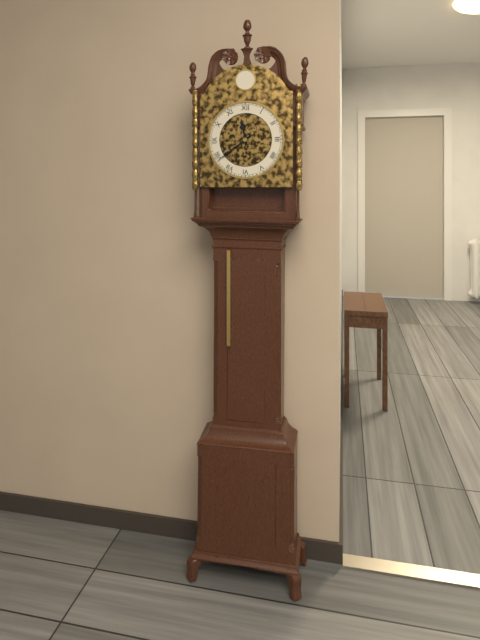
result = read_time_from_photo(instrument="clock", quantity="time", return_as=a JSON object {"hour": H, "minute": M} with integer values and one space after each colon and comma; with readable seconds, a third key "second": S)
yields {"hour": 11, "minute": 39}
